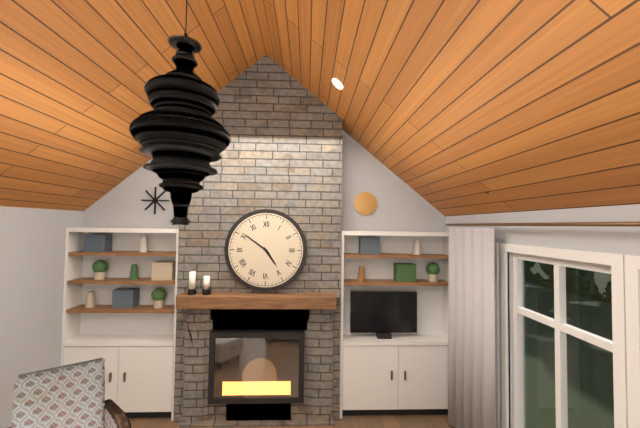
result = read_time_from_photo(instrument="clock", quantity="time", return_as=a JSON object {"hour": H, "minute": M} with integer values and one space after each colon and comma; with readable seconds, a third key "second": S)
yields {"hour": 4, "minute": 51}
